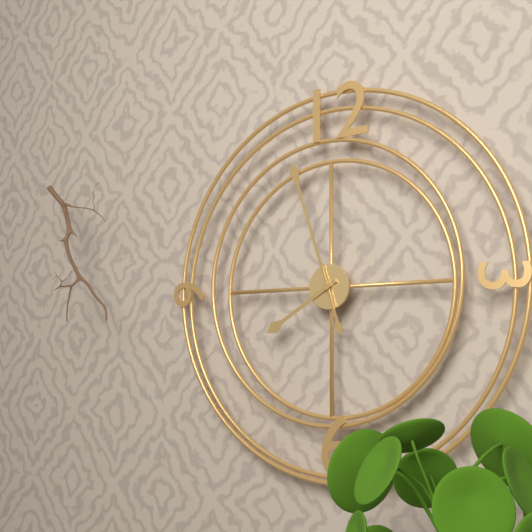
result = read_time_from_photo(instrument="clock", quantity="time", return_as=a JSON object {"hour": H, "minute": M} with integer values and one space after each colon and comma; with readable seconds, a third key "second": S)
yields {"hour": 7, "minute": 57}
